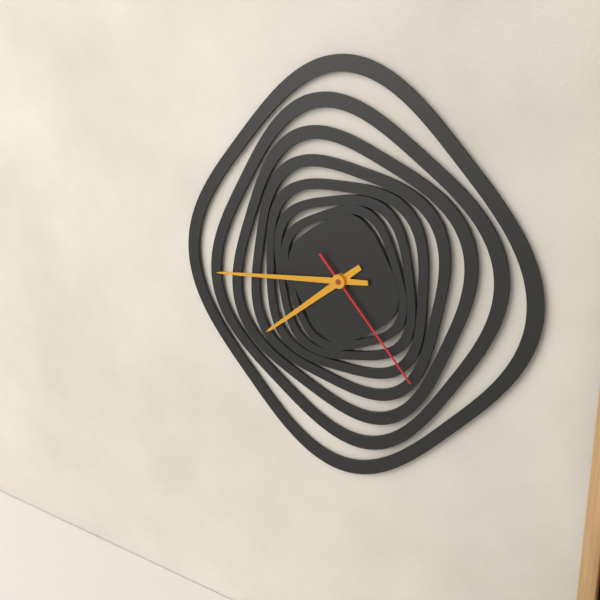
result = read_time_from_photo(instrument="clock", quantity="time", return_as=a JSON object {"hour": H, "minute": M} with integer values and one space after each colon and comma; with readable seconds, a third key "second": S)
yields {"hour": 7, "minute": 44, "second": 23}
